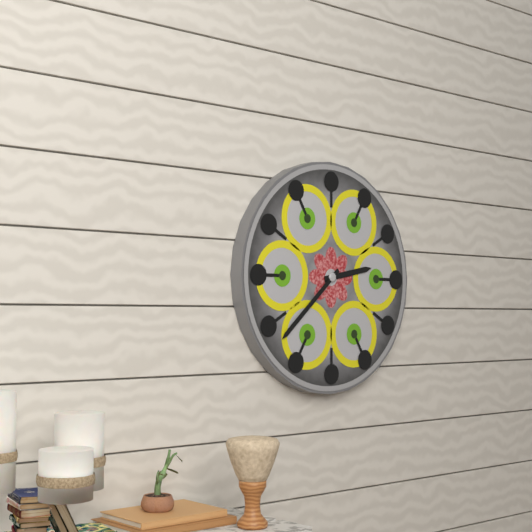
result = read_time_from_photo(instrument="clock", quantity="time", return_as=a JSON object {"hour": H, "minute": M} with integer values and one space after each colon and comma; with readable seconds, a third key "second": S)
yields {"hour": 2, "minute": 38}
